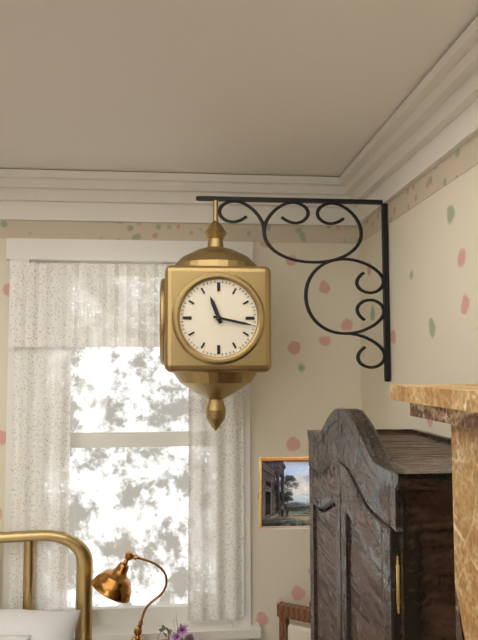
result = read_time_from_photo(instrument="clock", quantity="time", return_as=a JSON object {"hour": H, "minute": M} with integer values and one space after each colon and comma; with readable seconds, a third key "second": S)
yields {"hour": 11, "minute": 17}
